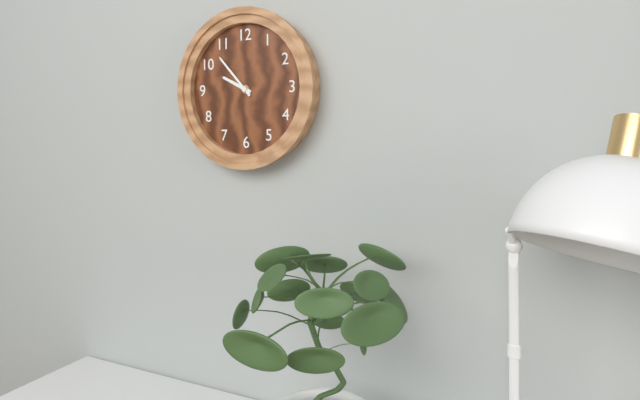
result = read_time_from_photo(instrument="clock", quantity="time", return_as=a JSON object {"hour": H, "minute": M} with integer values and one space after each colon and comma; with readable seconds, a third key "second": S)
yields {"hour": 9, "minute": 53}
